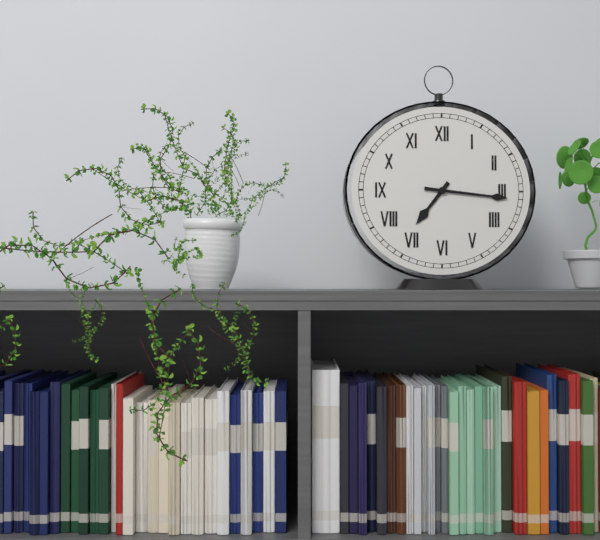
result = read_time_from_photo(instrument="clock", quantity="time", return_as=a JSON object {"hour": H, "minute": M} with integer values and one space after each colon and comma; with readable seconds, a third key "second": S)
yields {"hour": 7, "minute": 16}
